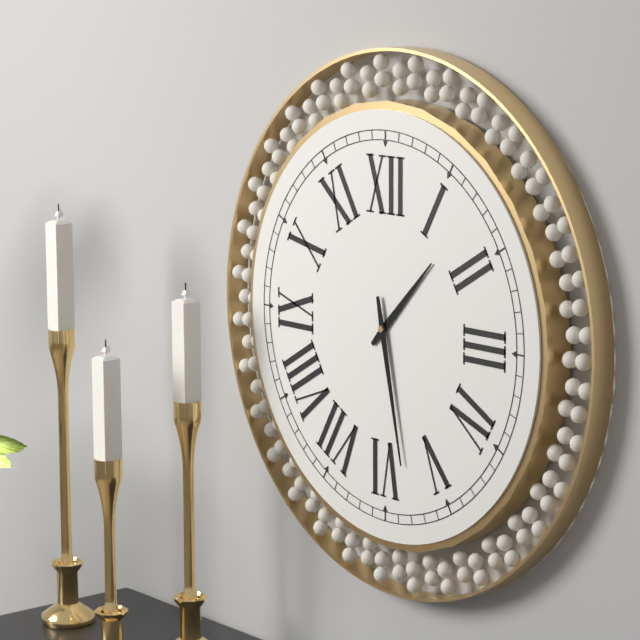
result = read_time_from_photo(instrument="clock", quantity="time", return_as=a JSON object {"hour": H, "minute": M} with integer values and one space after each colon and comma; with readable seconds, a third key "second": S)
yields {"hour": 1, "minute": 28}
